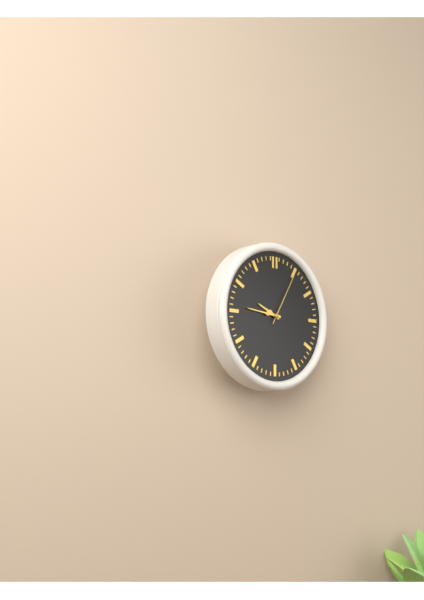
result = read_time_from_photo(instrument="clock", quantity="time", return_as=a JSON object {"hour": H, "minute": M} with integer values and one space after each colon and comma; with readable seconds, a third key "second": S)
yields {"hour": 9, "minute": 46, "second": 5}
